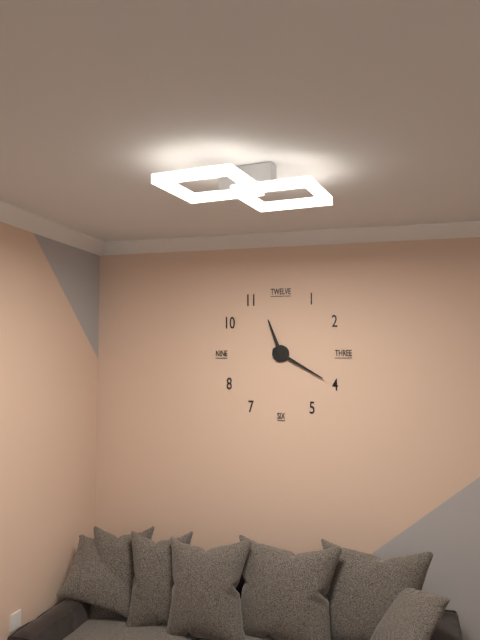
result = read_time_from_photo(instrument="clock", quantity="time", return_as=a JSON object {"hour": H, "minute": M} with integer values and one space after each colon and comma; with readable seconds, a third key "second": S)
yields {"hour": 11, "minute": 20}
